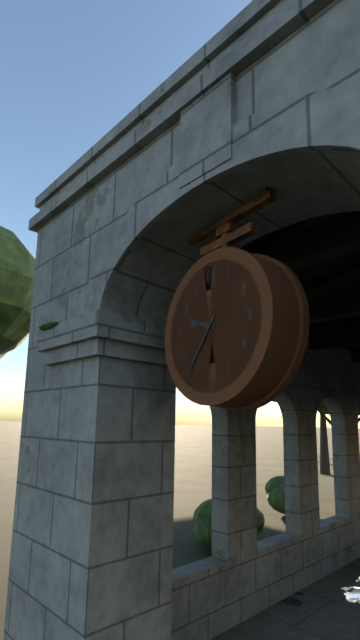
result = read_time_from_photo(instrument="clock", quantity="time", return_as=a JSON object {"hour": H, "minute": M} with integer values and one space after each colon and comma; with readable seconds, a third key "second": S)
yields {"hour": 9, "minute": 36}
